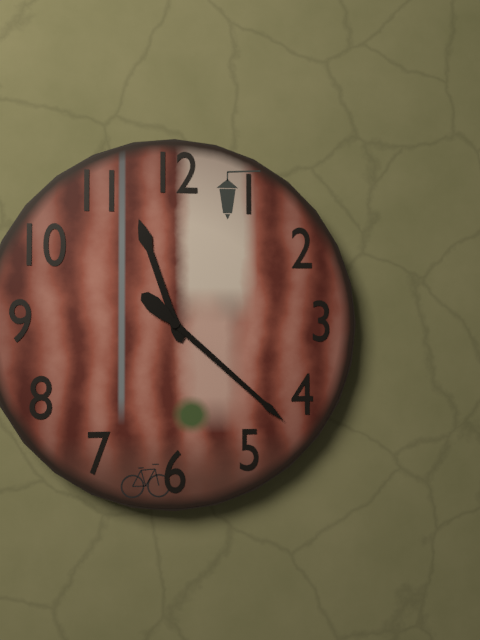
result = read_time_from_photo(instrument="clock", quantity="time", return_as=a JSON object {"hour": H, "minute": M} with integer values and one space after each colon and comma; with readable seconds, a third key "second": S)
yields {"hour": 11, "minute": 22}
